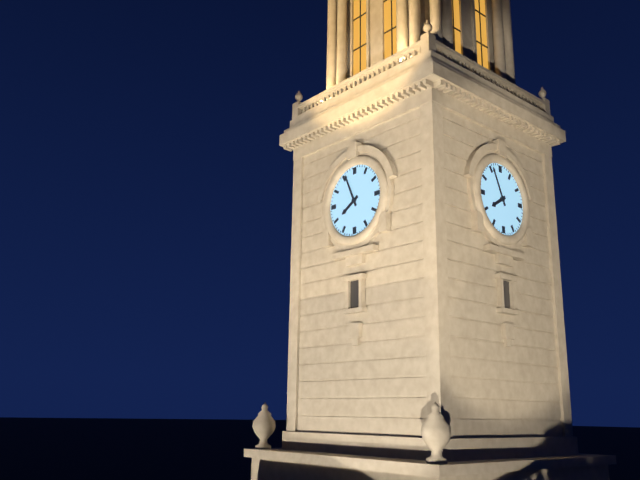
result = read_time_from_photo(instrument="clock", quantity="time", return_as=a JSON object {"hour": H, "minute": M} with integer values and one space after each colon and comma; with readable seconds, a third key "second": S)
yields {"hour": 7, "minute": 56}
